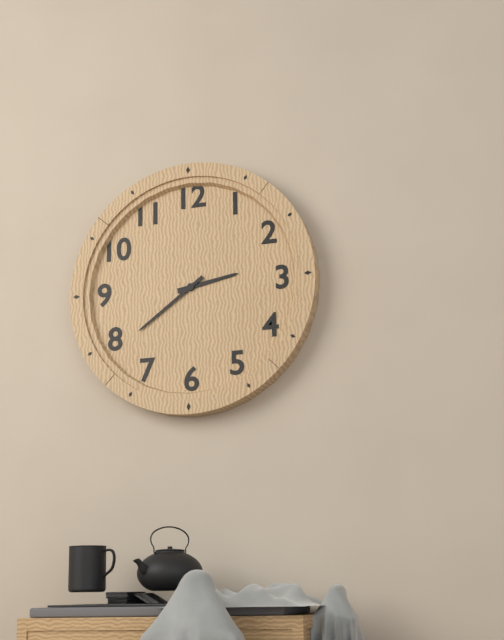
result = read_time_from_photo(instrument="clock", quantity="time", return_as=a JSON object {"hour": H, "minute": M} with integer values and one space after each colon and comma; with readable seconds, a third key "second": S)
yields {"hour": 2, "minute": 39}
